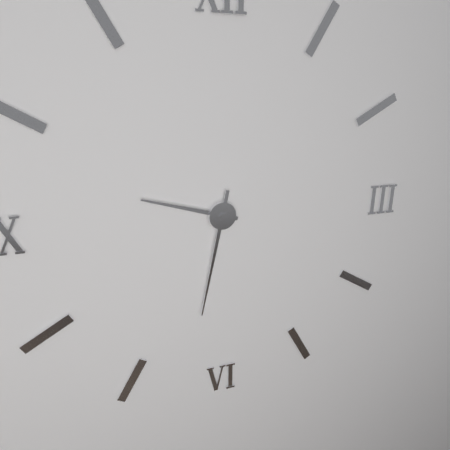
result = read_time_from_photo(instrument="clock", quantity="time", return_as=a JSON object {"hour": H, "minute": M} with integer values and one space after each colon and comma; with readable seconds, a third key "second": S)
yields {"hour": 9, "minute": 32}
